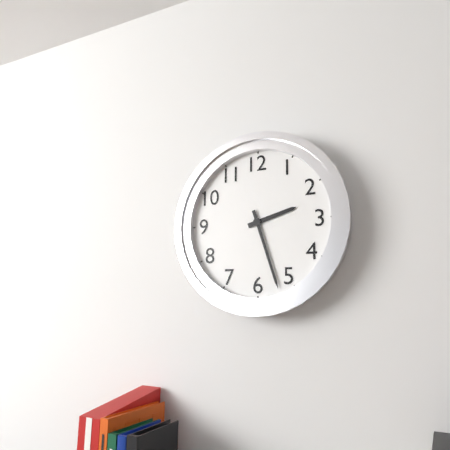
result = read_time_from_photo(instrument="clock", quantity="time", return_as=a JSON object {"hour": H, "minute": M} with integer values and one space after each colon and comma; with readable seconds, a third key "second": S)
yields {"hour": 2, "minute": 27}
